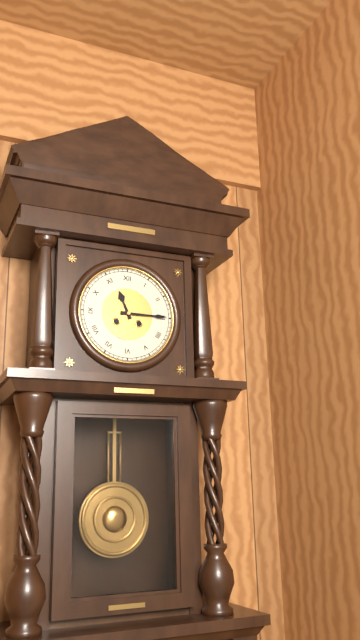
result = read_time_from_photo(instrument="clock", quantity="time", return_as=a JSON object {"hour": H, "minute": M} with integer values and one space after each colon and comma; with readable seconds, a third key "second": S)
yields {"hour": 11, "minute": 15}
